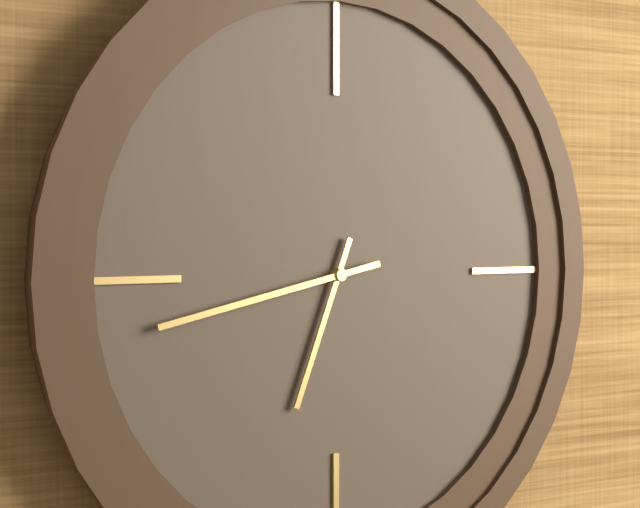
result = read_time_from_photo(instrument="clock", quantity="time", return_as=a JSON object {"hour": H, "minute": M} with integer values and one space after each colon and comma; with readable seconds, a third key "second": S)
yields {"hour": 6, "minute": 43}
